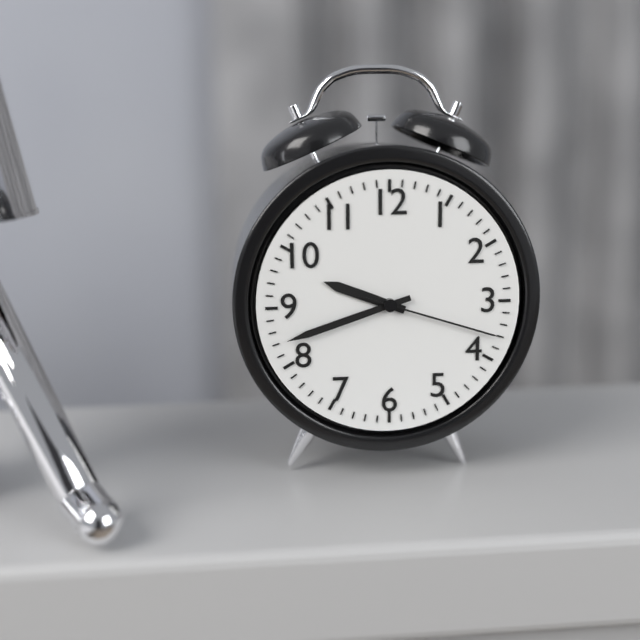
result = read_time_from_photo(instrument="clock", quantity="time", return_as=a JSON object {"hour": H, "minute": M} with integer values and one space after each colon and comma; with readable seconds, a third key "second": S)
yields {"hour": 9, "minute": 42, "second": 18}
